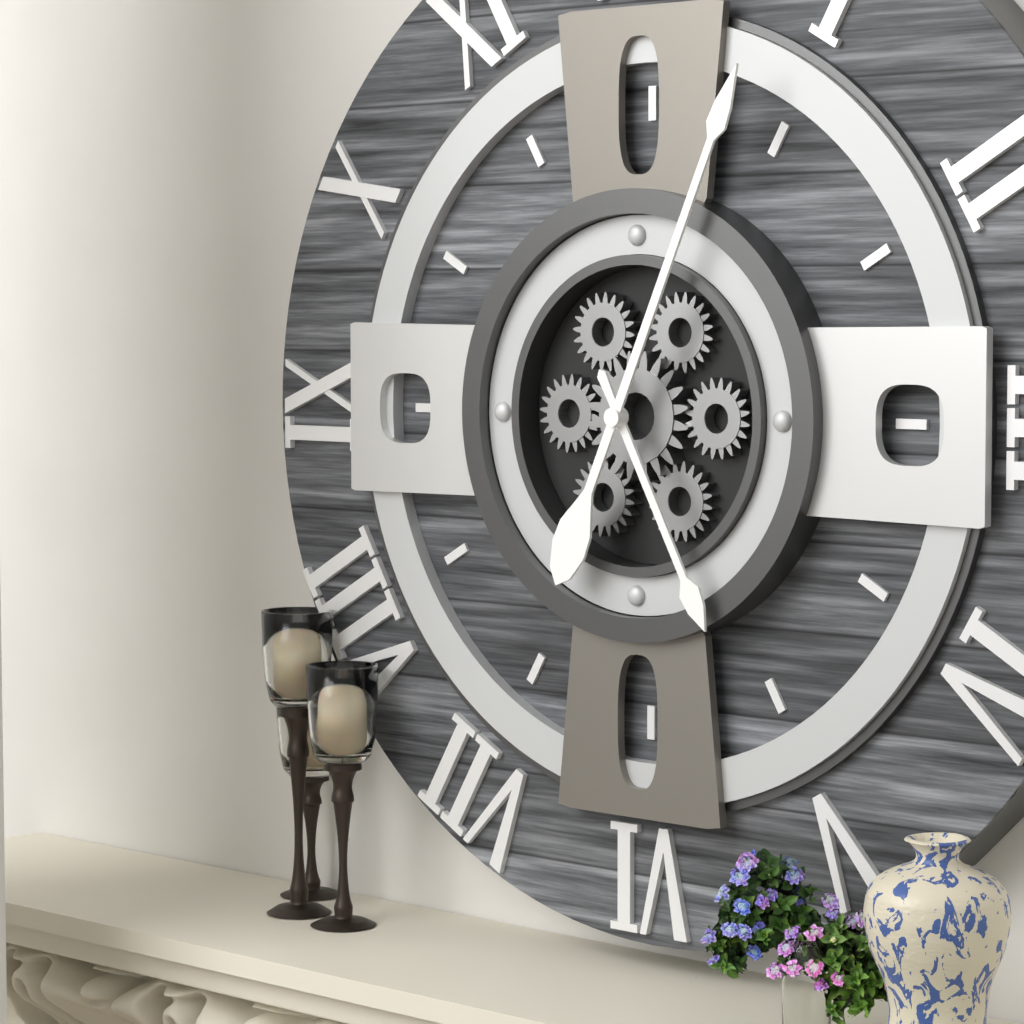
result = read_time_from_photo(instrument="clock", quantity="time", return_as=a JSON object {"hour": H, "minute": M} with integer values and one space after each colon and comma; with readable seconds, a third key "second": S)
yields {"hour": 5, "minute": 4}
